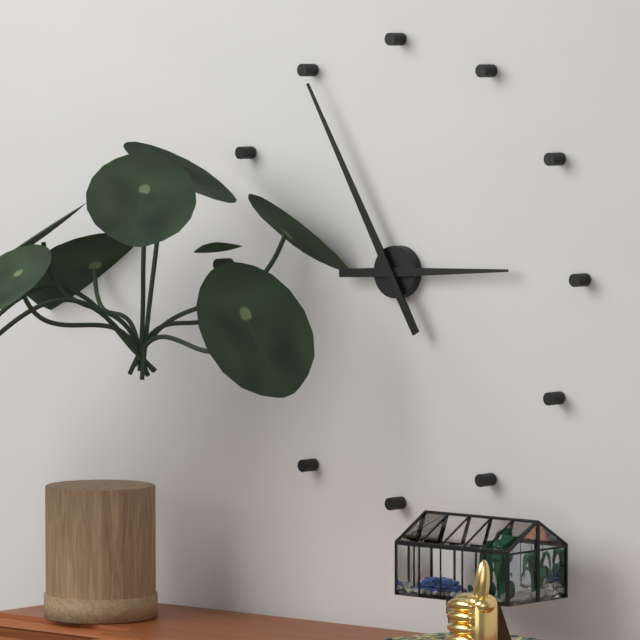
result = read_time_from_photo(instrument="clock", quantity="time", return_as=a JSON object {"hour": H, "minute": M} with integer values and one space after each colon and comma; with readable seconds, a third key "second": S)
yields {"hour": 2, "minute": 55}
